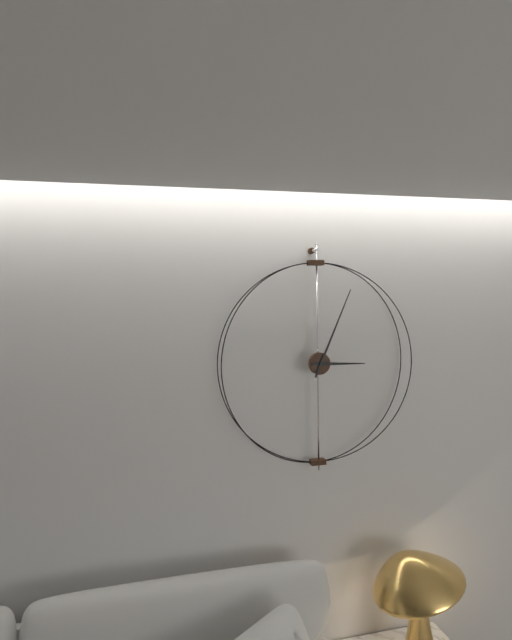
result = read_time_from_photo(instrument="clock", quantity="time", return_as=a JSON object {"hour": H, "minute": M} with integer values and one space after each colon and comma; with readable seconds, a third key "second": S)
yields {"hour": 3, "minute": 4}
